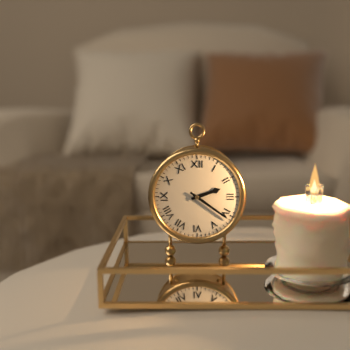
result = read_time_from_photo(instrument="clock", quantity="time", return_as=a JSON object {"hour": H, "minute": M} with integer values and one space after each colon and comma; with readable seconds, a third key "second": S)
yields {"hour": 2, "minute": 21}
